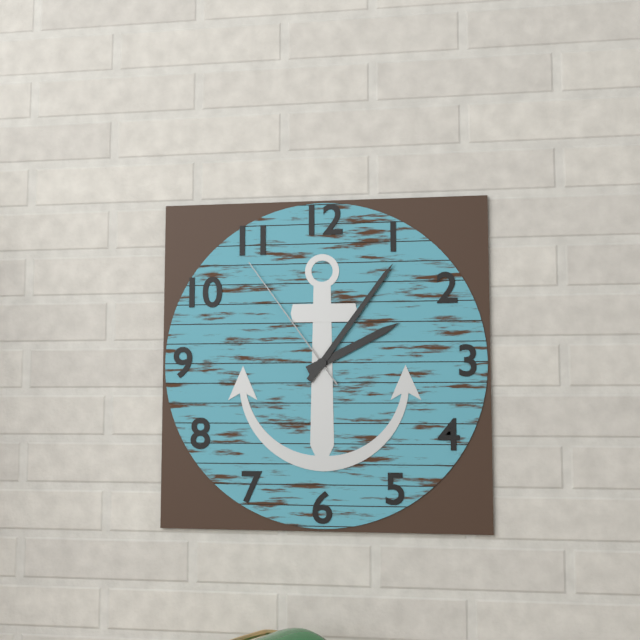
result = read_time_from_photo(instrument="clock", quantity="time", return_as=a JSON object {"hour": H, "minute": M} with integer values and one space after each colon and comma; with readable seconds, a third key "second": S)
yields {"hour": 2, "minute": 6, "second": 54}
